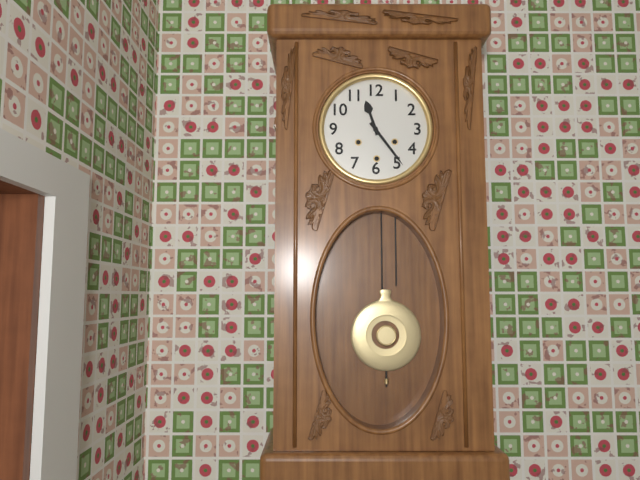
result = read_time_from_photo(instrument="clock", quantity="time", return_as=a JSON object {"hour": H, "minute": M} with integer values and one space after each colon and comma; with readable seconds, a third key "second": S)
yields {"hour": 11, "minute": 24}
